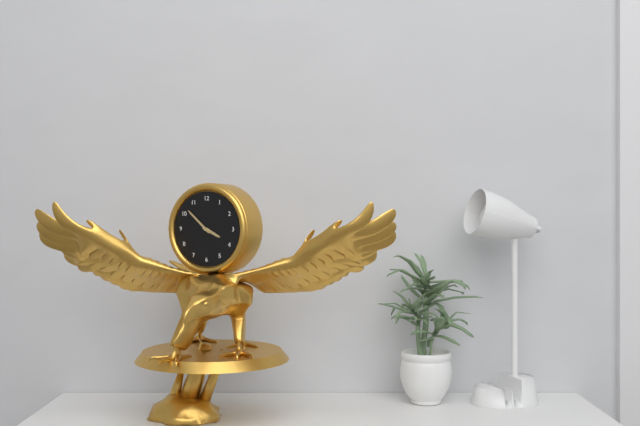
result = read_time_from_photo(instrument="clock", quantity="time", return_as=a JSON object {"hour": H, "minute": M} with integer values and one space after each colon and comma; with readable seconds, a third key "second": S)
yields {"hour": 3, "minute": 52}
